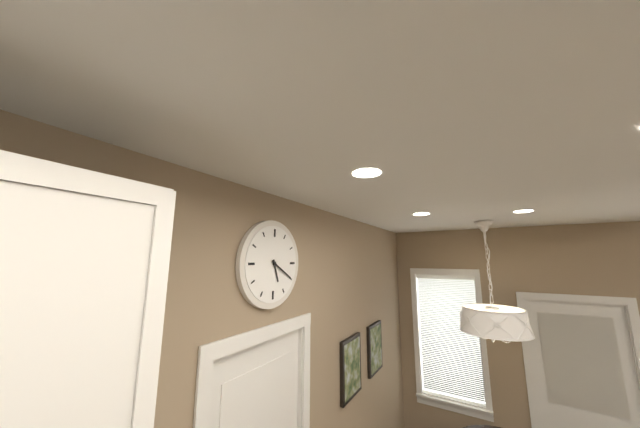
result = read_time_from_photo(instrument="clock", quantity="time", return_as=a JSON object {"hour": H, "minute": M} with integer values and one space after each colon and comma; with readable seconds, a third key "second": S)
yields {"hour": 5, "minute": 20}
